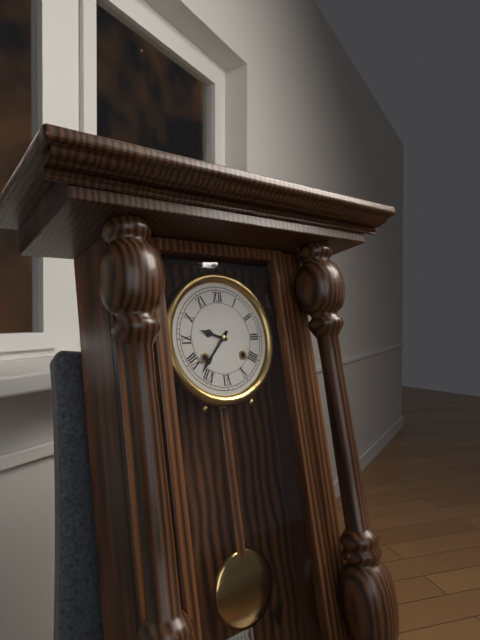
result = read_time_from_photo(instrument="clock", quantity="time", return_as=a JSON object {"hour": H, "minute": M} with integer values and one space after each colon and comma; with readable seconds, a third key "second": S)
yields {"hour": 9, "minute": 37}
